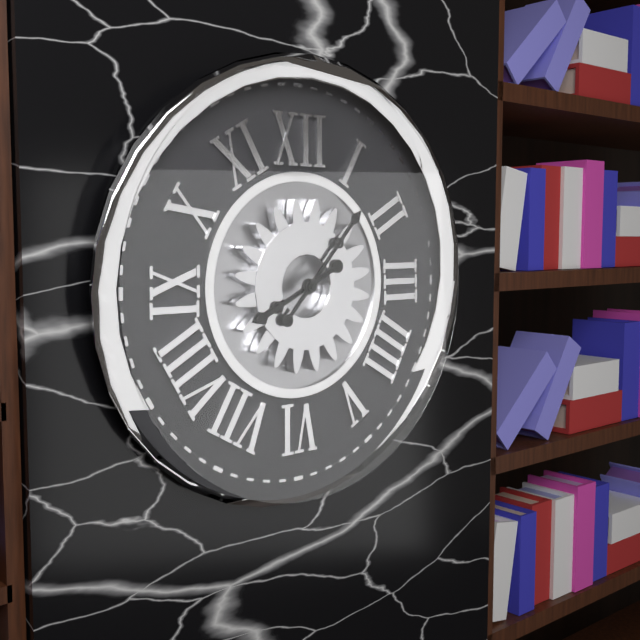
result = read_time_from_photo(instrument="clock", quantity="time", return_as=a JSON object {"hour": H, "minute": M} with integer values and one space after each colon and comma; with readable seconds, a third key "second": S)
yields {"hour": 8, "minute": 7}
